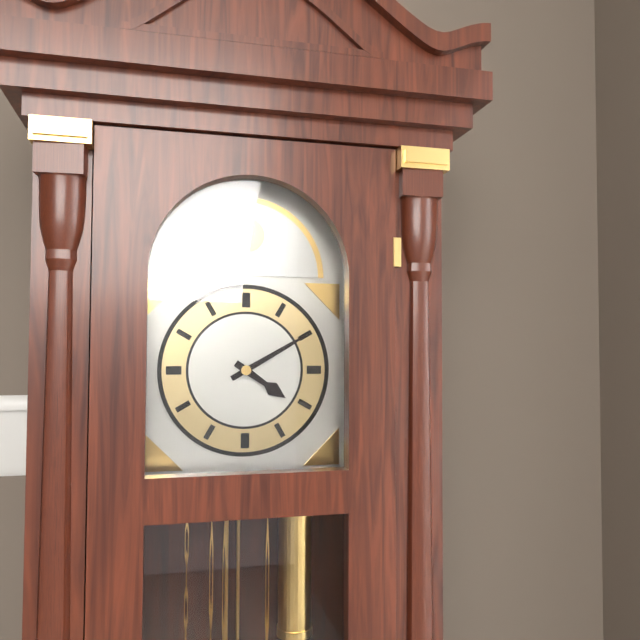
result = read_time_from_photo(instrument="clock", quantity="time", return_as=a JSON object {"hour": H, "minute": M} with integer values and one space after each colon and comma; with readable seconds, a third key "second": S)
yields {"hour": 4, "minute": 10}
